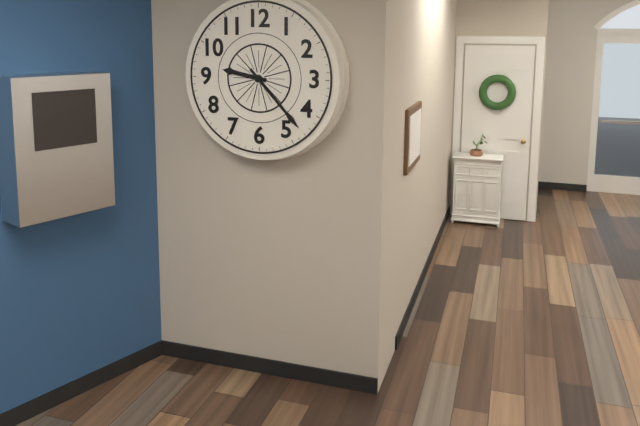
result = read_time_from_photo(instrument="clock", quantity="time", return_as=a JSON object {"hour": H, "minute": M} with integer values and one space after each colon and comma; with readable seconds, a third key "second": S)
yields {"hour": 9, "minute": 23}
